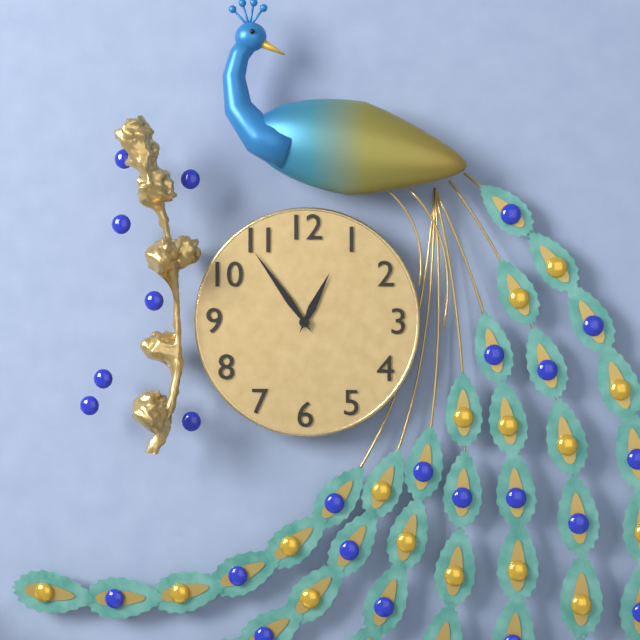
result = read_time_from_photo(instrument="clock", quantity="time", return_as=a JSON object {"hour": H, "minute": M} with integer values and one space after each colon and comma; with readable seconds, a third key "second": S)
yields {"hour": 12, "minute": 54}
